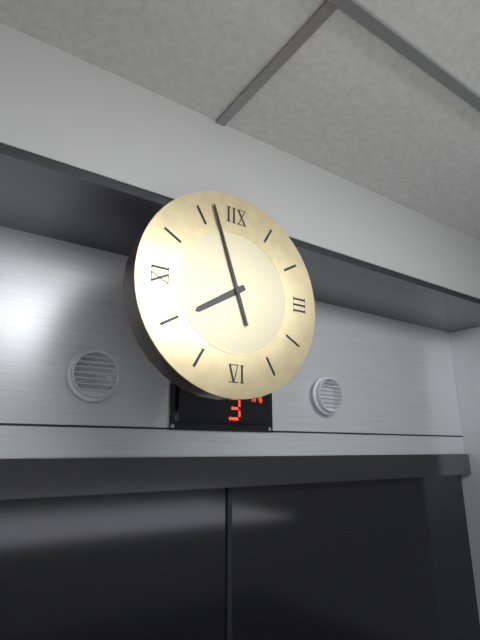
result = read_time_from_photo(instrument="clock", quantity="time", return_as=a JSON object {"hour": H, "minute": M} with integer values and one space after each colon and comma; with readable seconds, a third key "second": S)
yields {"hour": 7, "minute": 57}
